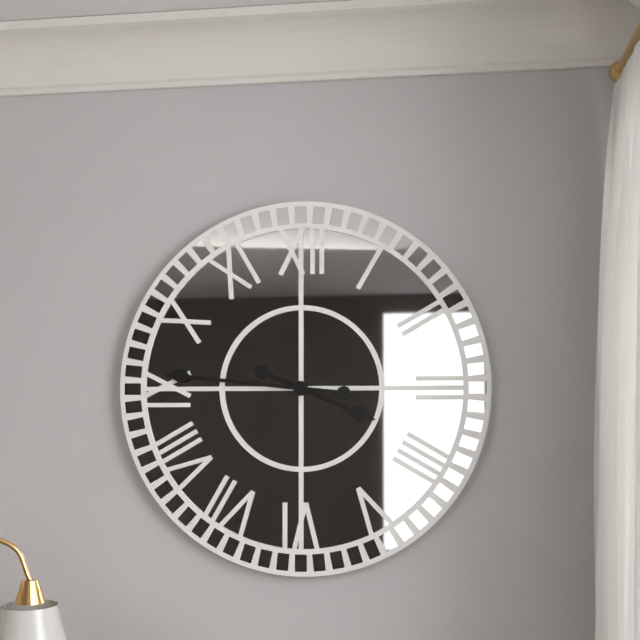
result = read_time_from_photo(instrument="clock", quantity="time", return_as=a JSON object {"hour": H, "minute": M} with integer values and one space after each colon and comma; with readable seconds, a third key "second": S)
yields {"hour": 3, "minute": 46}
